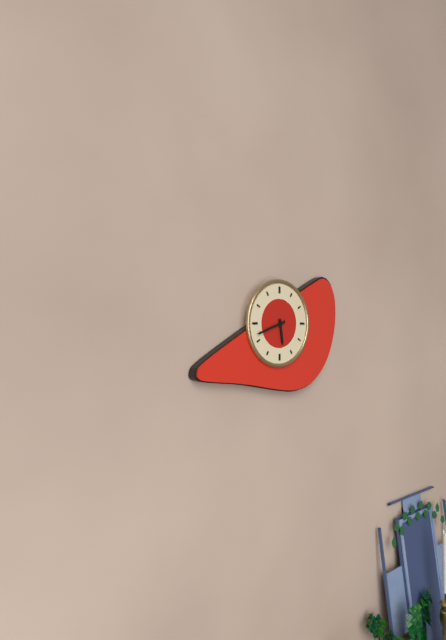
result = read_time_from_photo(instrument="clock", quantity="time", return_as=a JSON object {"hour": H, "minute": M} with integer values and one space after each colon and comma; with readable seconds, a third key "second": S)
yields {"hour": 5, "minute": 42}
